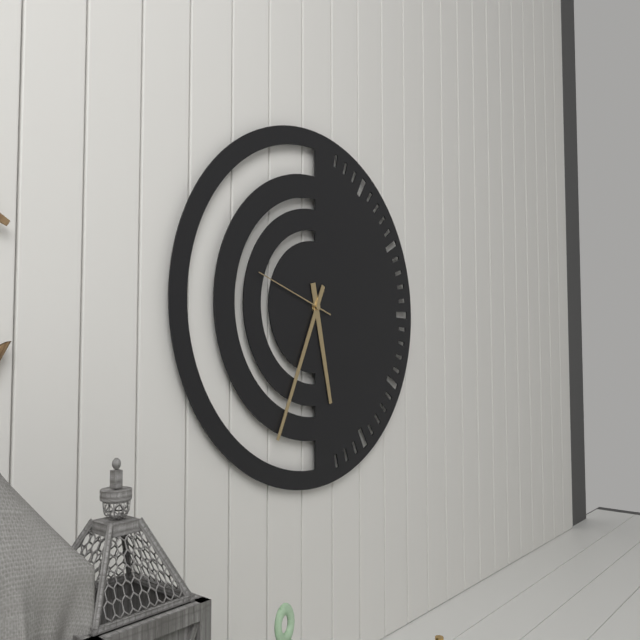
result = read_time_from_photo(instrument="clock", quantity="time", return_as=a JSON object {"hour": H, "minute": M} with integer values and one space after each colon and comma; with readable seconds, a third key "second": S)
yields {"hour": 5, "minute": 34, "second": 48}
